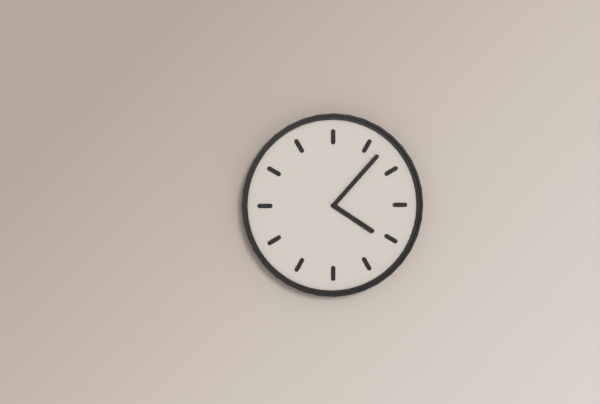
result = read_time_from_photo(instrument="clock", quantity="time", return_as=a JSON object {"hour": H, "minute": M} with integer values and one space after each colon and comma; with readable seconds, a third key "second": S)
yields {"hour": 4, "minute": 7}
